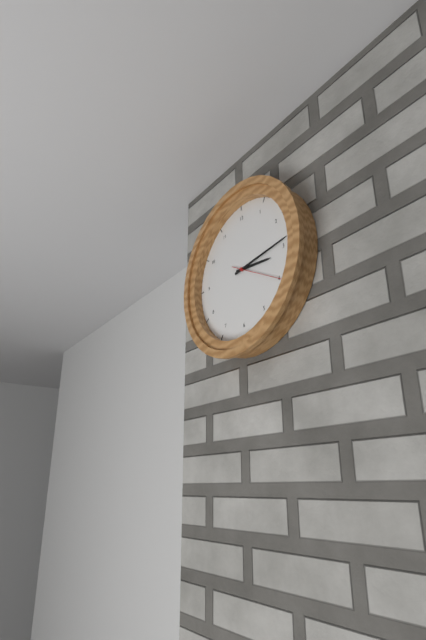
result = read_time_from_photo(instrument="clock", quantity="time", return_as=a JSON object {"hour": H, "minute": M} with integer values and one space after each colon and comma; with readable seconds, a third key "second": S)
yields {"hour": 3, "minute": 14, "second": 20}
